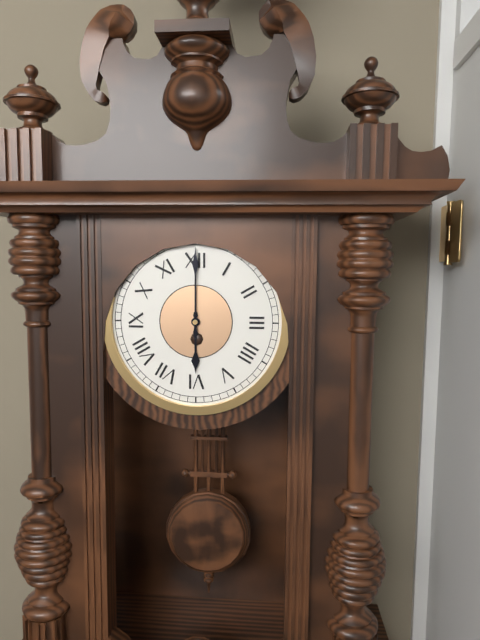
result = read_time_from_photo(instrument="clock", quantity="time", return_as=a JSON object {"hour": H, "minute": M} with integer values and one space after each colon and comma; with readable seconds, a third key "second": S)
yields {"hour": 6, "minute": 0}
